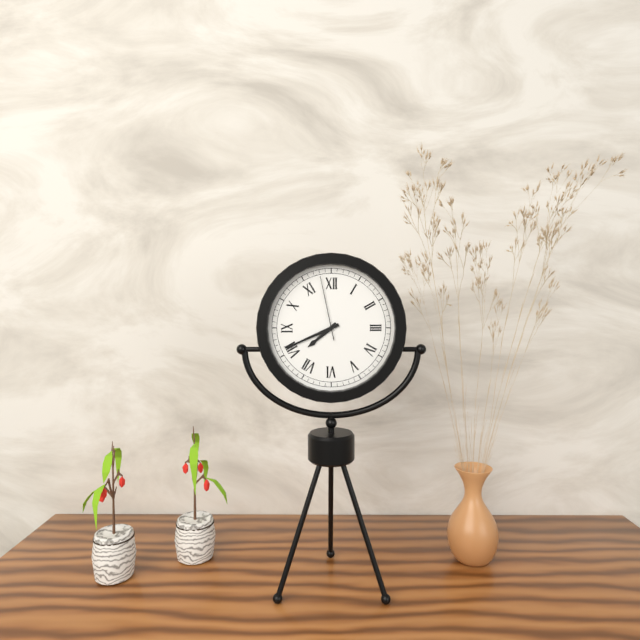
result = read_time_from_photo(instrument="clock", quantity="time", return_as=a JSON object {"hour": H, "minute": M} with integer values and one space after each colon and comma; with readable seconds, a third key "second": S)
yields {"hour": 7, "minute": 41, "second": 58}
